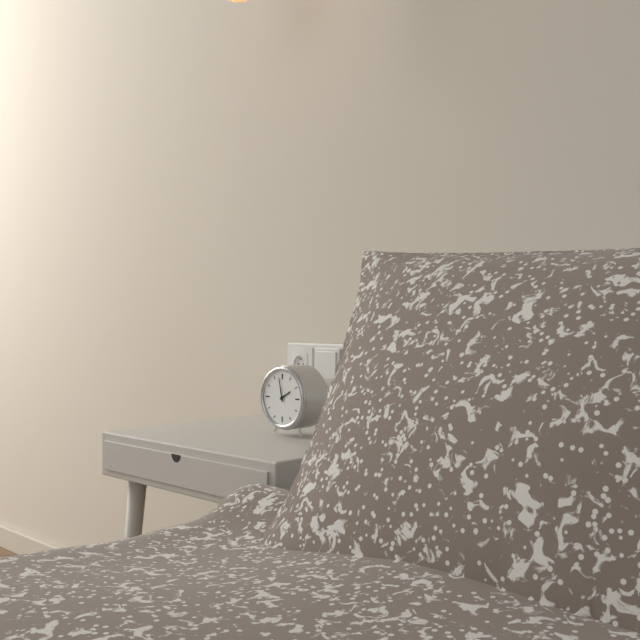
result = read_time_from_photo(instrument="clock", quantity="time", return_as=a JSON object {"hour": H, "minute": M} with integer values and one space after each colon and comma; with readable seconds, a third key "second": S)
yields {"hour": 1, "minute": 58}
